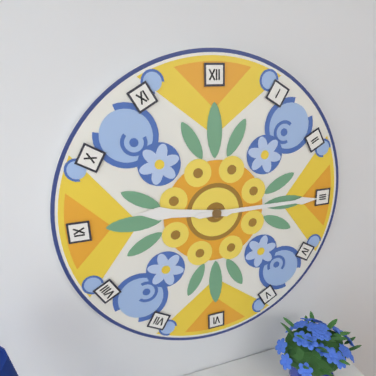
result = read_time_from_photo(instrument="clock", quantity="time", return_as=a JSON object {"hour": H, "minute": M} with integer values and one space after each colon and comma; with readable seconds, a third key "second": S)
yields {"hour": 9, "minute": 15}
